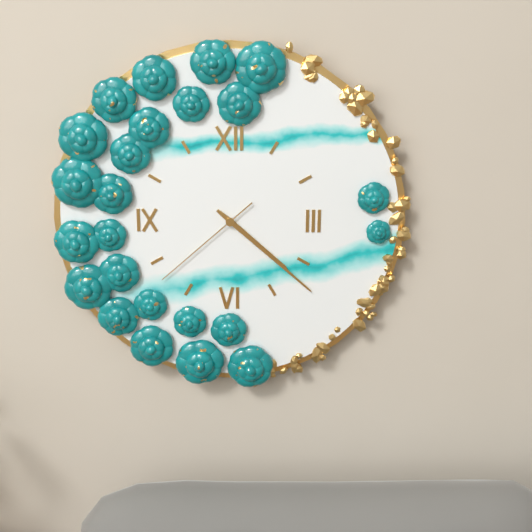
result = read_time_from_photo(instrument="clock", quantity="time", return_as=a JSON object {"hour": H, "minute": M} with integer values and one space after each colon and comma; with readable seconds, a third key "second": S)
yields {"hour": 4, "minute": 22, "second": 38}
